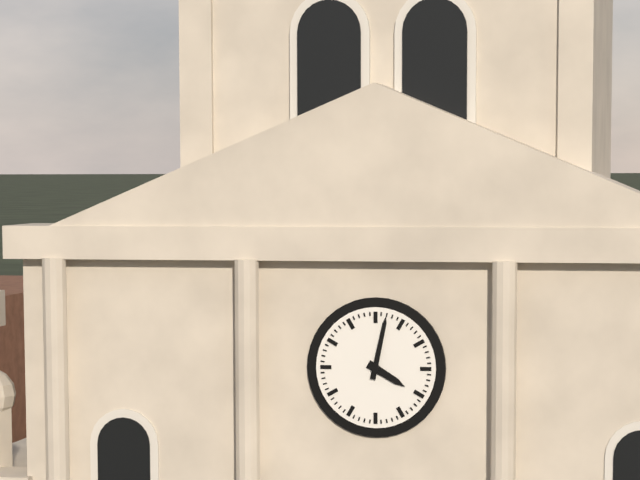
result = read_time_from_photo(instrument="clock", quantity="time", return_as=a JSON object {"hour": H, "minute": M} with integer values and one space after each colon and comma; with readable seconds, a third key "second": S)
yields {"hour": 4, "minute": 2}
